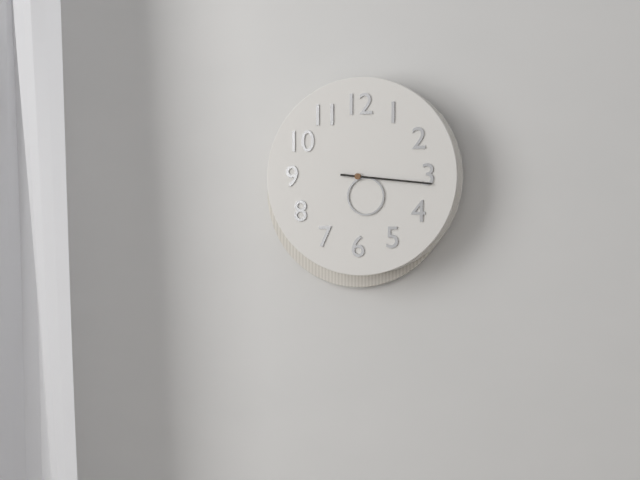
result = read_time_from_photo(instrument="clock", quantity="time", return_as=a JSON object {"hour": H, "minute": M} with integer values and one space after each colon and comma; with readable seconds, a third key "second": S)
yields {"hour": 5, "minute": 16}
